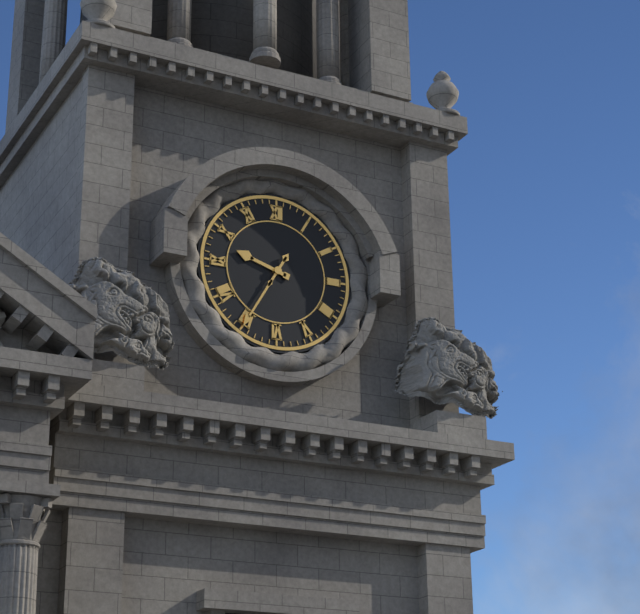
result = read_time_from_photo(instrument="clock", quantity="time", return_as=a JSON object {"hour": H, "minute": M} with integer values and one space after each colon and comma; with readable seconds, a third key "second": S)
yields {"hour": 9, "minute": 35}
